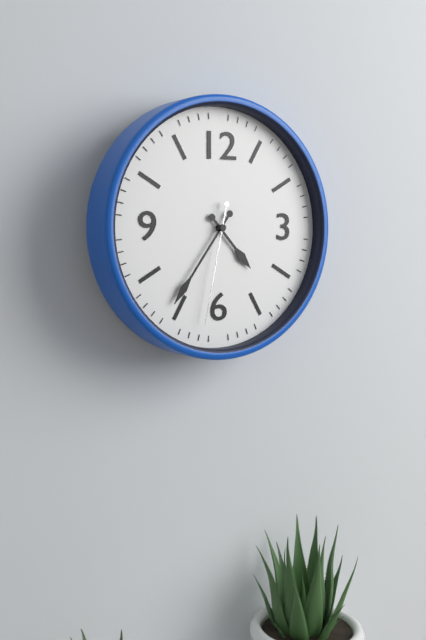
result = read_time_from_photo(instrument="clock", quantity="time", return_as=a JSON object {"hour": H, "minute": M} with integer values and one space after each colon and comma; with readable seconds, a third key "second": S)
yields {"hour": 4, "minute": 36, "second": 32}
